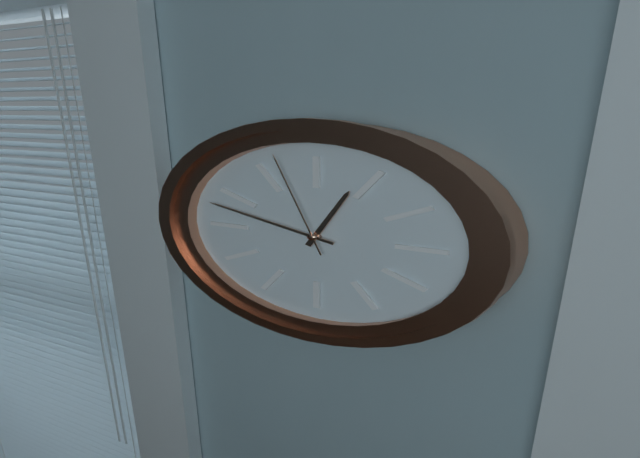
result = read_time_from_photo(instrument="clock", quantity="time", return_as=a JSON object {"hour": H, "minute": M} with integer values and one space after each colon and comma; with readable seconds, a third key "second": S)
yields {"hour": 12, "minute": 48, "second": 57}
